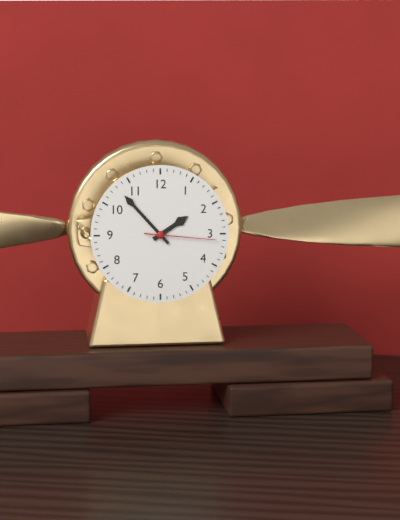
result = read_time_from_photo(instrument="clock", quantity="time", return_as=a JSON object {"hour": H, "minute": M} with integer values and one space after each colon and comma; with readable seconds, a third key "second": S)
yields {"hour": 1, "minute": 53, "second": 16}
